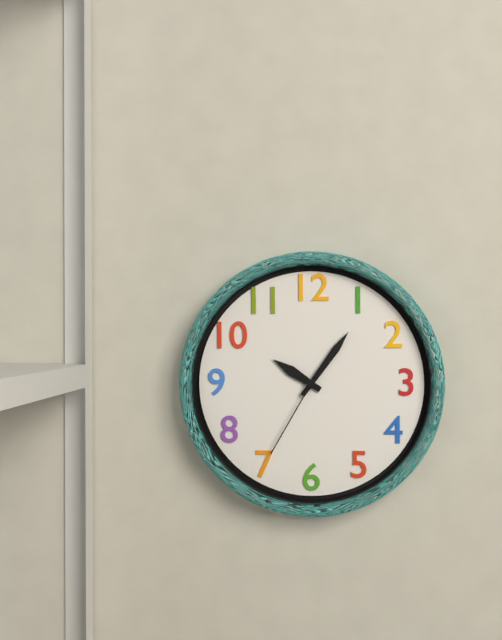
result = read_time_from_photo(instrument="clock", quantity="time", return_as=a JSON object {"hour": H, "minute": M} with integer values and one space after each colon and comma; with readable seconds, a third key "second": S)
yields {"hour": 10, "minute": 6, "second": 35}
